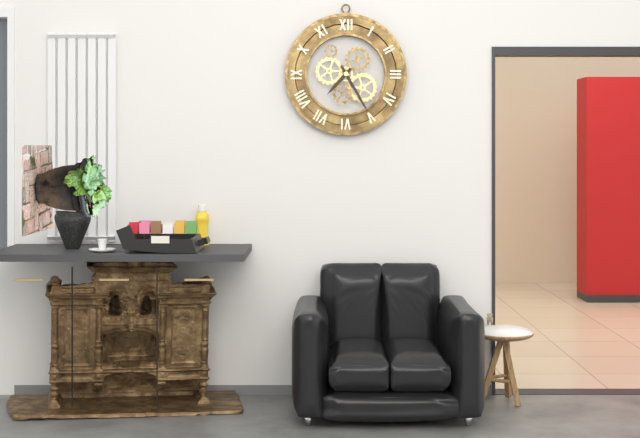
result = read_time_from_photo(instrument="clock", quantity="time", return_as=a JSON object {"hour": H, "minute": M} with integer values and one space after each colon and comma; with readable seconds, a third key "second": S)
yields {"hour": 7, "minute": 25}
